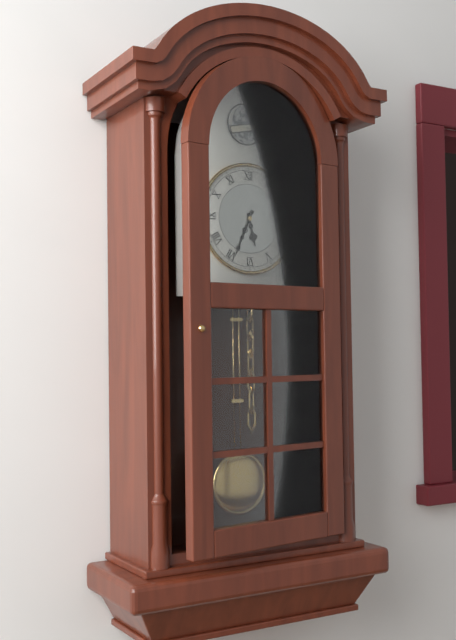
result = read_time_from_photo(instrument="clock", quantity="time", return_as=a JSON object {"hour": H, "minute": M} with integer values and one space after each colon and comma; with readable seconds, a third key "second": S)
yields {"hour": 5, "minute": 34}
